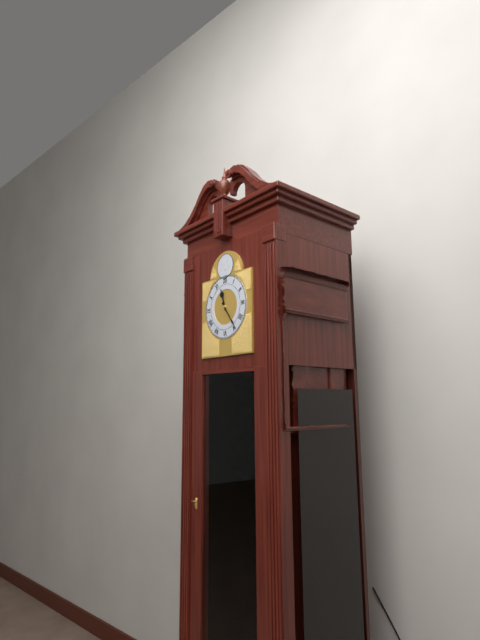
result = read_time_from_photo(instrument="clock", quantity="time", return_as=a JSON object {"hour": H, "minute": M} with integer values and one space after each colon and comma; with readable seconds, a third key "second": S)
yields {"hour": 11, "minute": 24}
